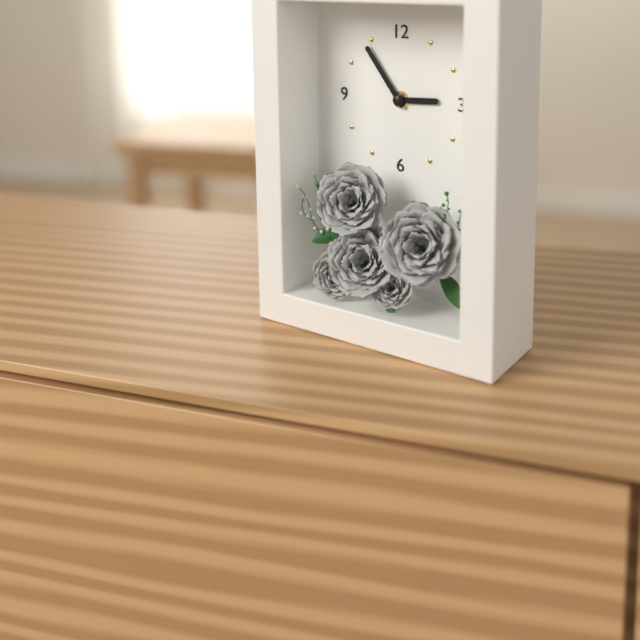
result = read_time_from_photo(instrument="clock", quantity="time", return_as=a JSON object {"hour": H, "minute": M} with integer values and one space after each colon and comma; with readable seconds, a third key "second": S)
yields {"hour": 2, "minute": 54}
